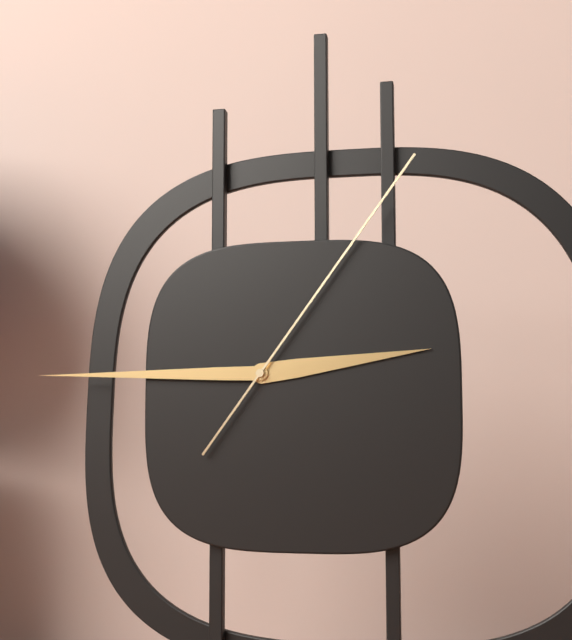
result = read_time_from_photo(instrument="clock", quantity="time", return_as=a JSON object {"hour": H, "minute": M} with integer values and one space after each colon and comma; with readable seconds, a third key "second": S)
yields {"hour": 2, "minute": 45, "second": 6}
